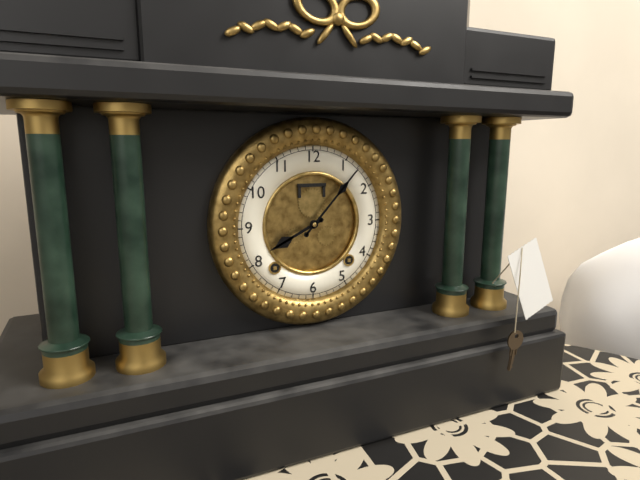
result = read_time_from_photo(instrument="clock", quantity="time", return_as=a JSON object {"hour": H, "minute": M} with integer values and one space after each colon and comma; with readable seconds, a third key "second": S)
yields {"hour": 8, "minute": 7}
